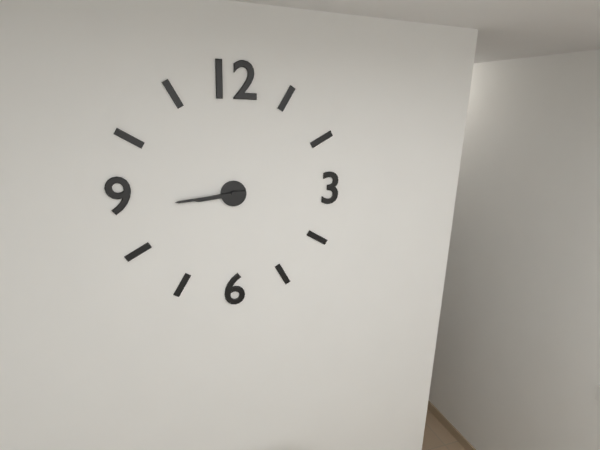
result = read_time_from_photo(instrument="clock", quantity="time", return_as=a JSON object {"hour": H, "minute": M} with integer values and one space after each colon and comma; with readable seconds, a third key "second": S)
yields {"hour": 8, "minute": 44}
